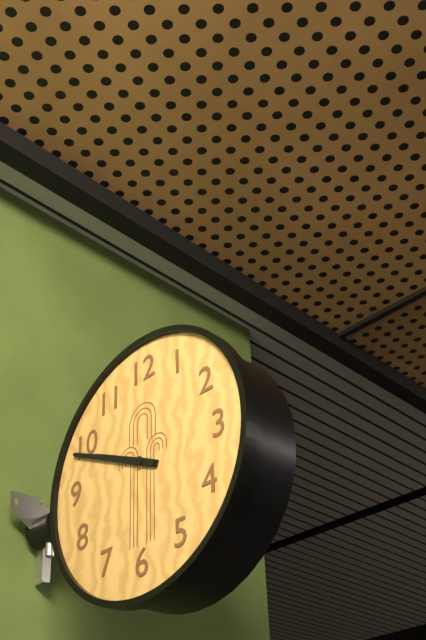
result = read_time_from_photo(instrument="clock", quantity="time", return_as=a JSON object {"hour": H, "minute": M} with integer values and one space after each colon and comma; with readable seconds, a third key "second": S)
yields {"hour": 9, "minute": 49}
